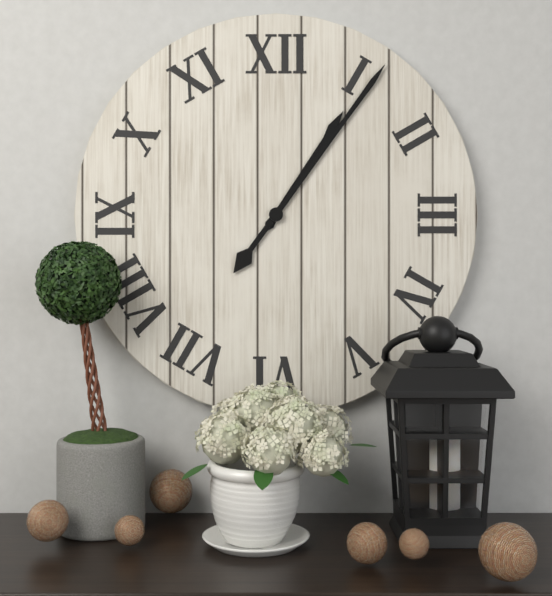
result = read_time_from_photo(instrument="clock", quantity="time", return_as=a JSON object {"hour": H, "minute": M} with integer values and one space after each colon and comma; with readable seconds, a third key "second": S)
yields {"hour": 1, "minute": 6}
